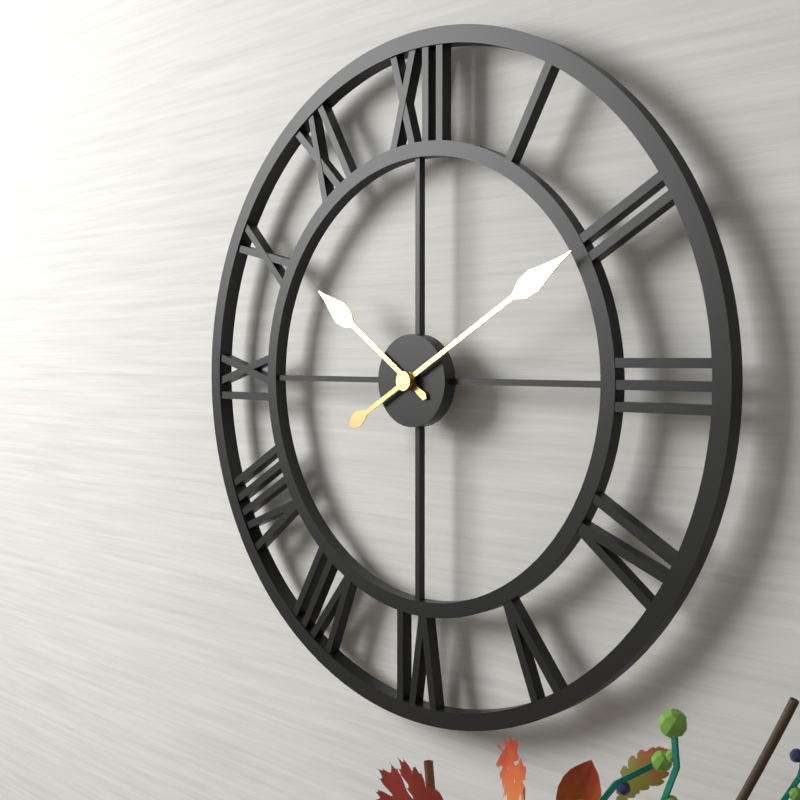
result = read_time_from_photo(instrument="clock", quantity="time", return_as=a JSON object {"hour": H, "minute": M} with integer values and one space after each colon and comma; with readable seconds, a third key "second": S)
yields {"hour": 10, "minute": 10}
